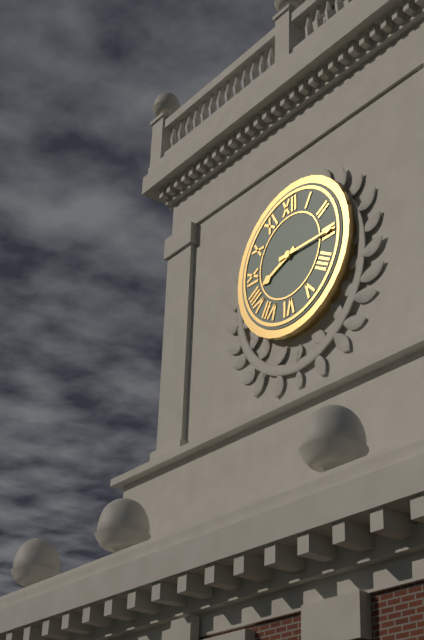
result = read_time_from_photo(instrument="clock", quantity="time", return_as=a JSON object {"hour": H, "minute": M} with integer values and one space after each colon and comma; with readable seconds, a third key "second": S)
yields {"hour": 8, "minute": 15}
